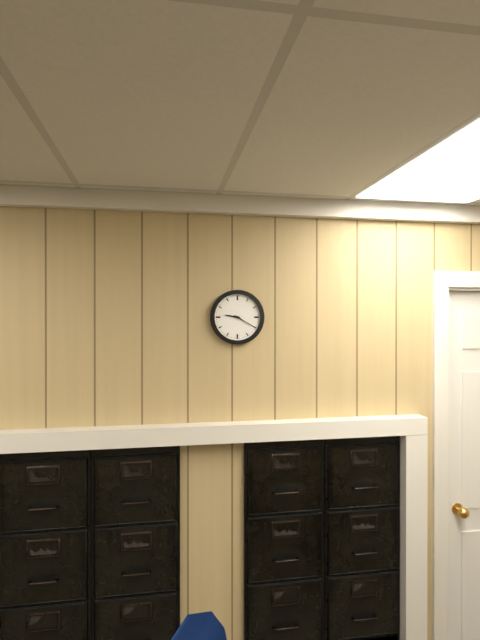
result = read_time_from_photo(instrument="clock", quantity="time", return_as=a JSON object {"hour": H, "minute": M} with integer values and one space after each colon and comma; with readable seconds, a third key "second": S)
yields {"hour": 9, "minute": 20}
